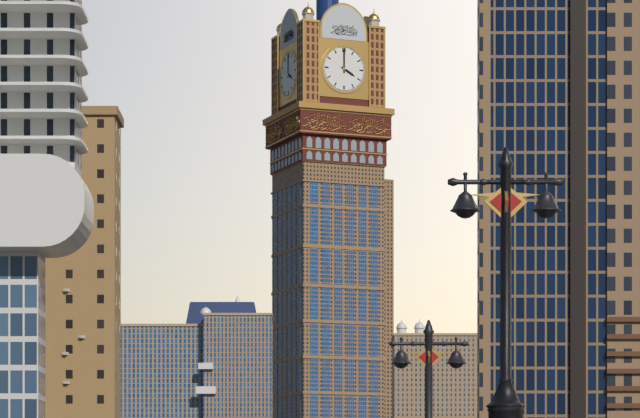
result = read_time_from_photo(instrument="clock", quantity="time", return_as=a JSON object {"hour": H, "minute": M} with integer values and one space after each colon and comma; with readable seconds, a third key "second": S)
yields {"hour": 4, "minute": 0}
